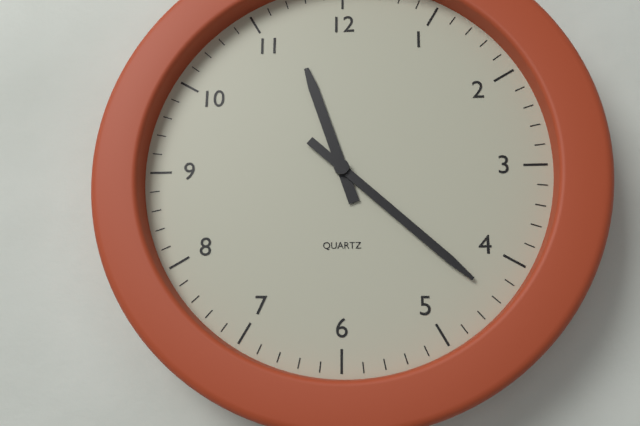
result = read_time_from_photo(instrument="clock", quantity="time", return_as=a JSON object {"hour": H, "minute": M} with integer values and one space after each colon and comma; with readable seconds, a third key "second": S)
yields {"hour": 11, "minute": 22}
